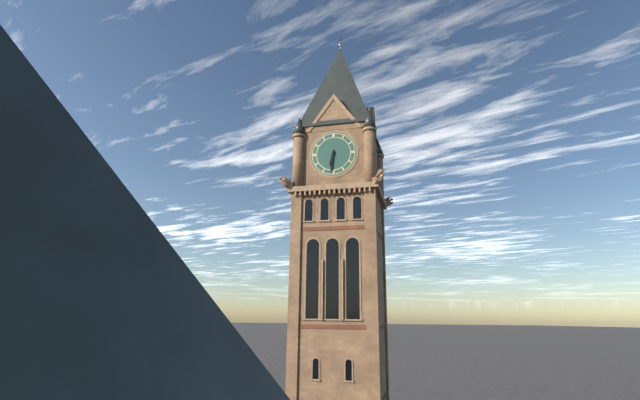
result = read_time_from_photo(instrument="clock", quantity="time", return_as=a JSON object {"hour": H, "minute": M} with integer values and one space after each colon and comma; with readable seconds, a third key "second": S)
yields {"hour": 6, "minute": 31}
